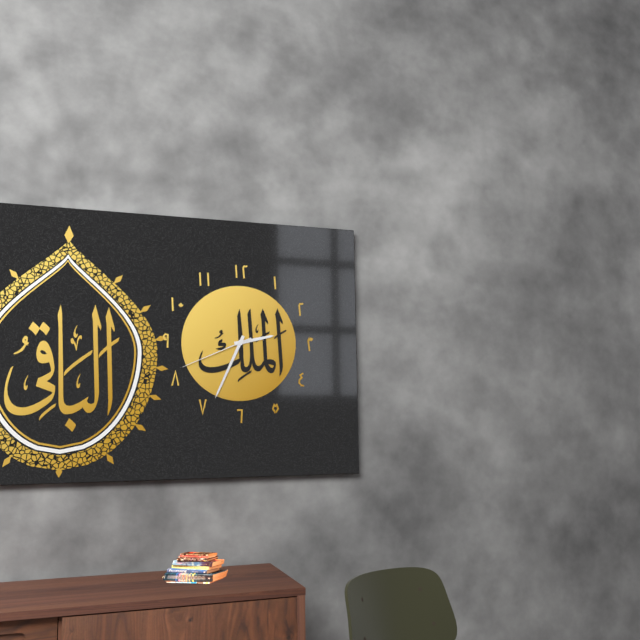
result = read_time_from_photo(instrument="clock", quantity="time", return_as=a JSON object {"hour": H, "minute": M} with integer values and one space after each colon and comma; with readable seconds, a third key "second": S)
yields {"hour": 2, "minute": 34, "second": 41}
